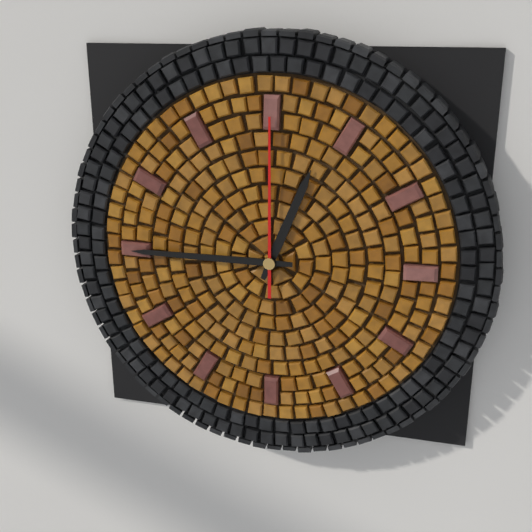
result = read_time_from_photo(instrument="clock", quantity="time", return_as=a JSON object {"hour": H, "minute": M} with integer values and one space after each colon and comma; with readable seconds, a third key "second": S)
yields {"hour": 12, "minute": 45, "second": 0}
